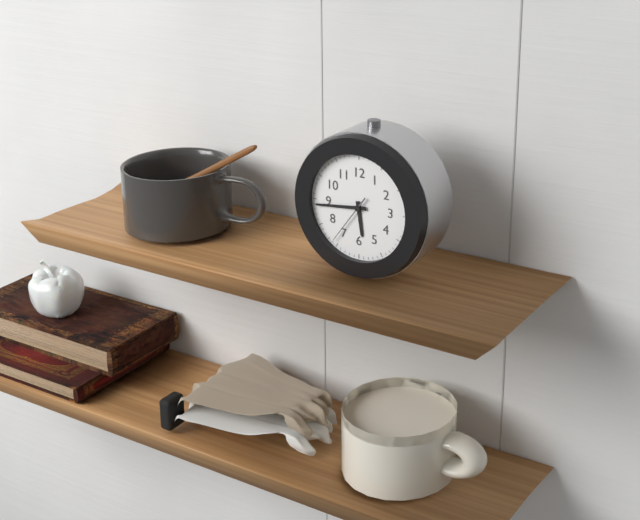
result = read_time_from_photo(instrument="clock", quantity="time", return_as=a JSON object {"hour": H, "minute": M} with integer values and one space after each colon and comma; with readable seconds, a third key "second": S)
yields {"hour": 5, "minute": 44, "second": 36}
